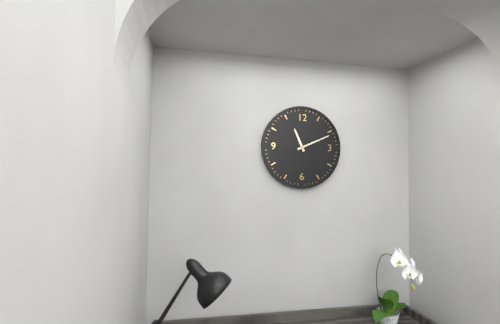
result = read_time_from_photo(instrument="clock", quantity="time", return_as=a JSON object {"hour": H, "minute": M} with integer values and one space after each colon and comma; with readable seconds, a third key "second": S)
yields {"hour": 11, "minute": 11}
